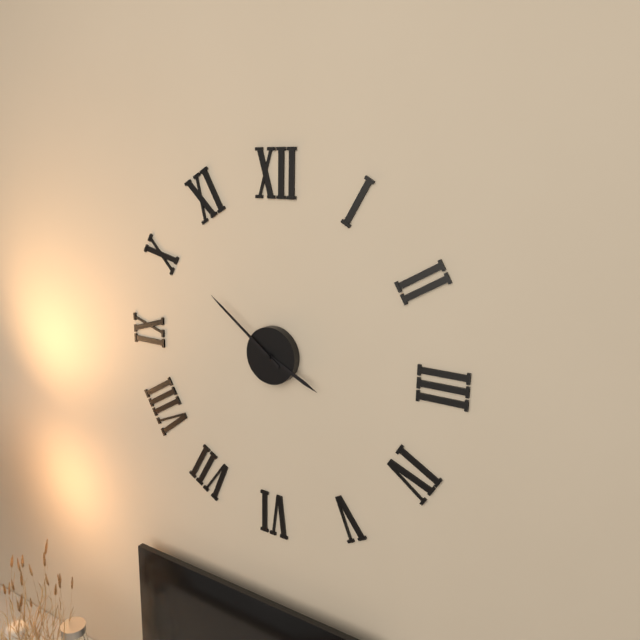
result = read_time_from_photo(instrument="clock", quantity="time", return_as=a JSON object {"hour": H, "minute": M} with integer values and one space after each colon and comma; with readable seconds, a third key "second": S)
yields {"hour": 3, "minute": 51}
